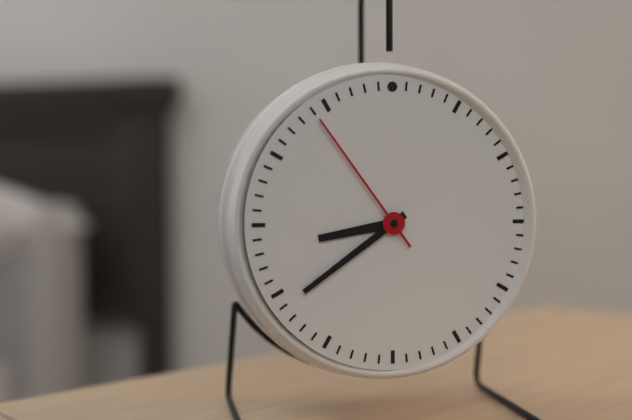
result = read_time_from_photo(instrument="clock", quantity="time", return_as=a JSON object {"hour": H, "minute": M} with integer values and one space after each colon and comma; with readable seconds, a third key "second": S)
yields {"hour": 8, "minute": 39, "second": 54}
